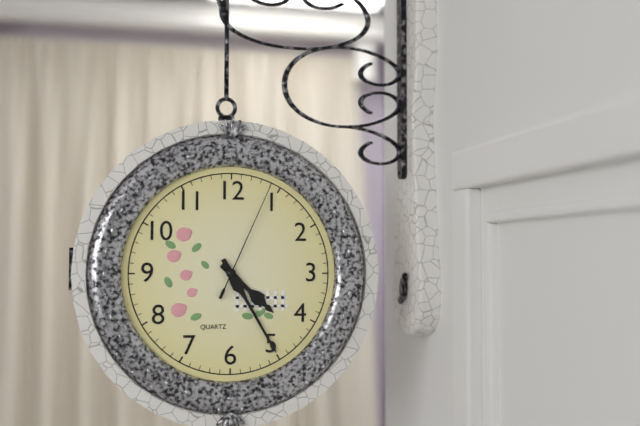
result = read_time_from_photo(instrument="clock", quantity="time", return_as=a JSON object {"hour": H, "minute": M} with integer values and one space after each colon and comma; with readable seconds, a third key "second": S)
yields {"hour": 4, "minute": 25, "second": 4}
